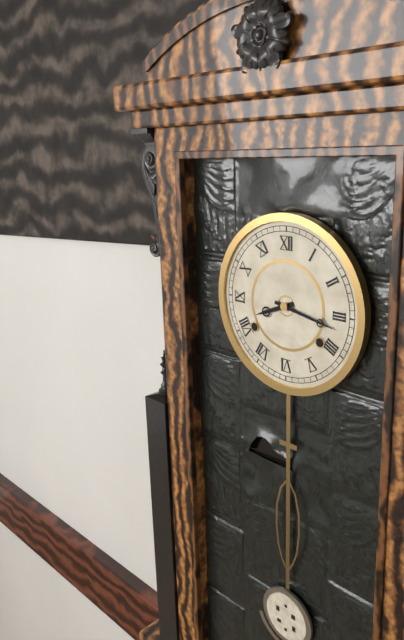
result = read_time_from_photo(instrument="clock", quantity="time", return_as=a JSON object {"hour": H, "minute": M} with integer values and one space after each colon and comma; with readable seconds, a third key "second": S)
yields {"hour": 8, "minute": 17}
